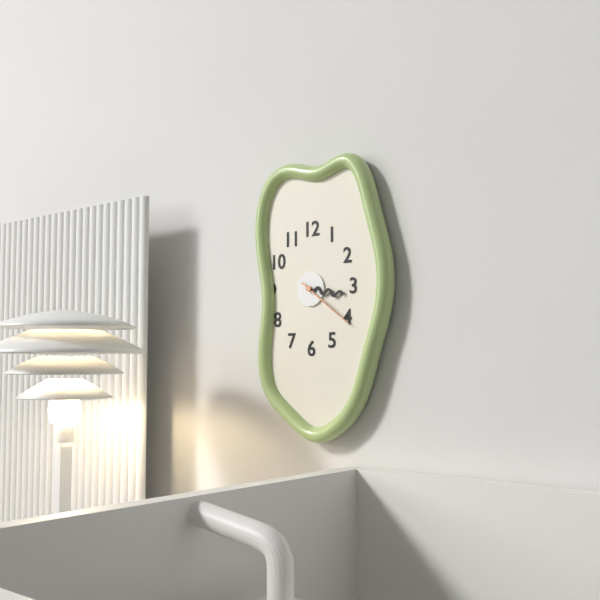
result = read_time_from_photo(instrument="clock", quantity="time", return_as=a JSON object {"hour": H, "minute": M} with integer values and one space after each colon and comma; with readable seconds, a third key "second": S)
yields {"hour": 3, "minute": 21}
